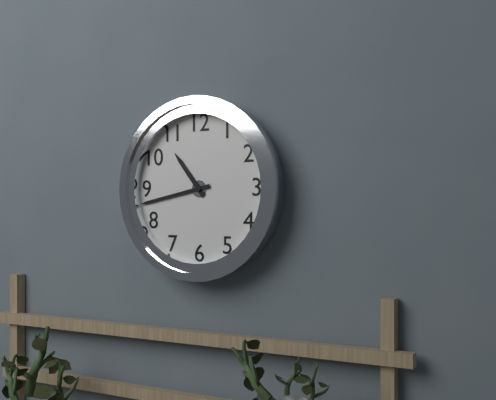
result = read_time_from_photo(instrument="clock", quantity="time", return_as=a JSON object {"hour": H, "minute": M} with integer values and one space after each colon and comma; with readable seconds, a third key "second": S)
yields {"hour": 10, "minute": 43}
